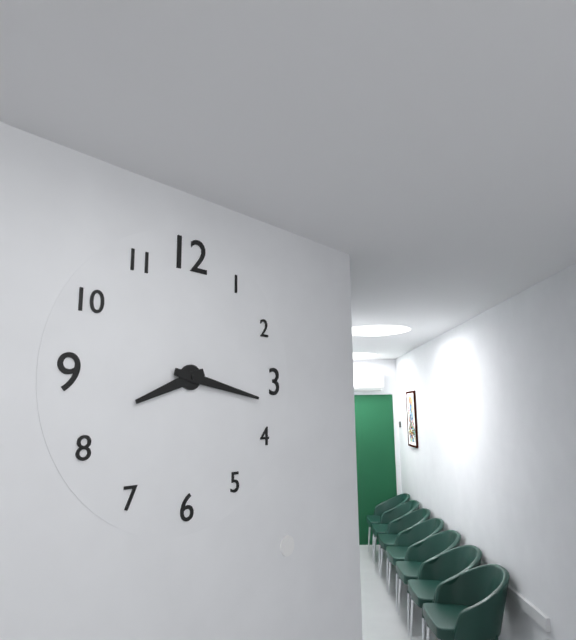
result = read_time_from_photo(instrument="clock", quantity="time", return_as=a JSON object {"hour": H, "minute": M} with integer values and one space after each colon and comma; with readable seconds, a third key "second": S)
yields {"hour": 8, "minute": 17}
